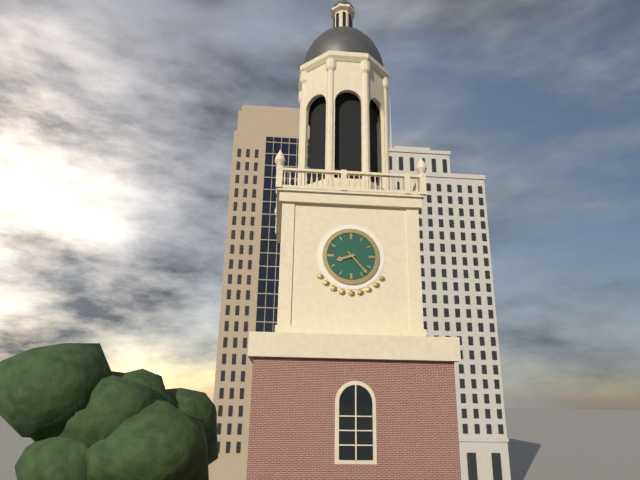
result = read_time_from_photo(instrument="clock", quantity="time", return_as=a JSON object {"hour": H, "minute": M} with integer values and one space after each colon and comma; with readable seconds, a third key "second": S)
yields {"hour": 8, "minute": 23}
